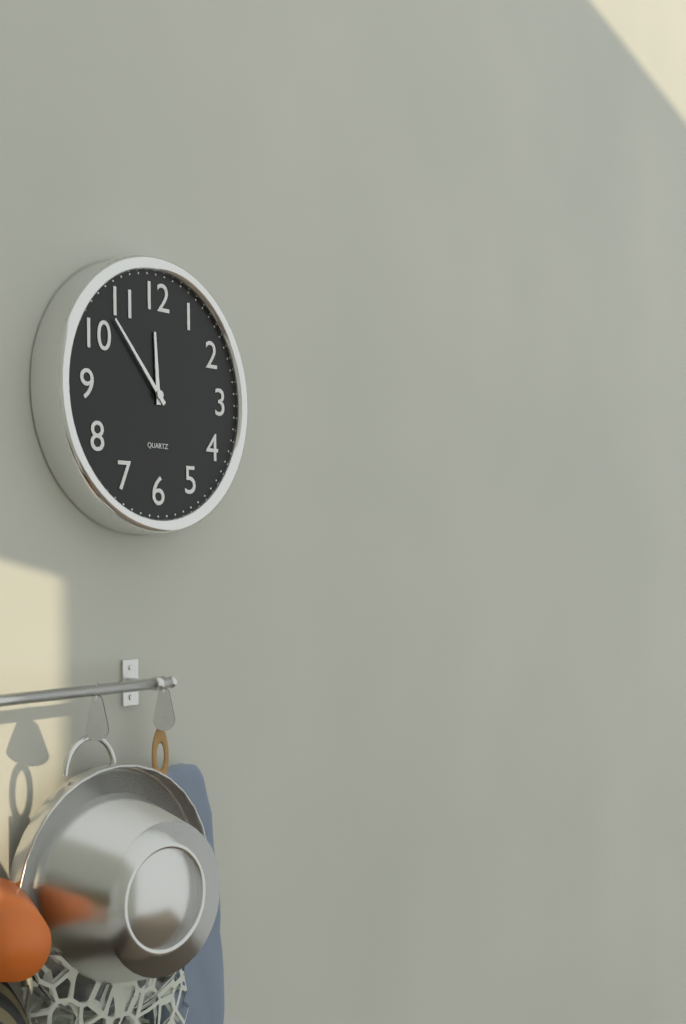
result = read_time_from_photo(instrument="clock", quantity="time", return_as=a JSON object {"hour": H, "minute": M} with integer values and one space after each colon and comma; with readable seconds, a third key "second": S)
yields {"hour": 11, "minute": 53}
